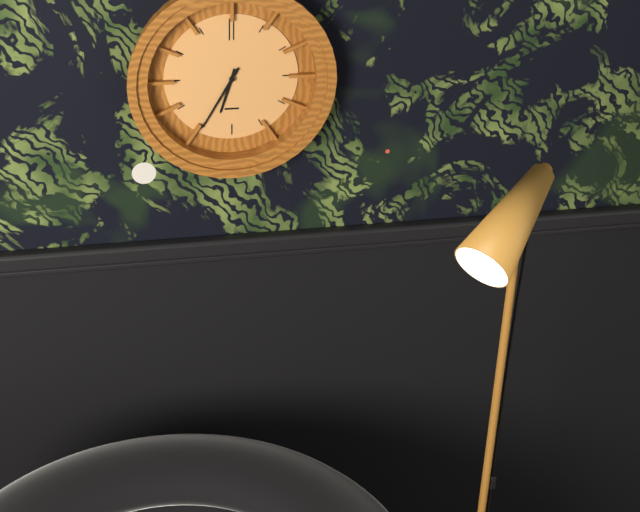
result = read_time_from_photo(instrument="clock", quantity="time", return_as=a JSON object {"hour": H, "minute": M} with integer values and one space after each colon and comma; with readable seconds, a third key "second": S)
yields {"hour": 6, "minute": 35}
